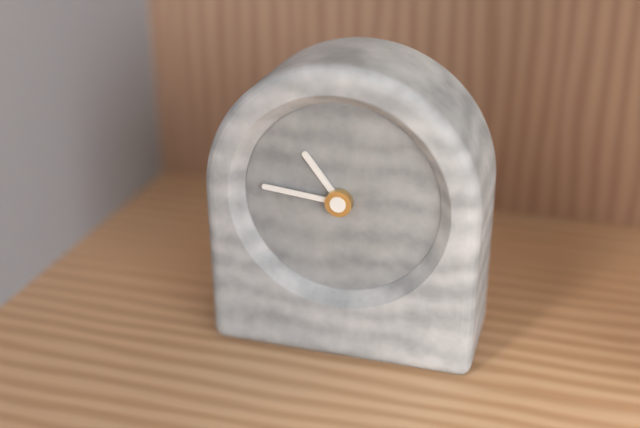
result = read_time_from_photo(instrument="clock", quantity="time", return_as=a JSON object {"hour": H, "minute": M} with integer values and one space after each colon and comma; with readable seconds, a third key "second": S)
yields {"hour": 10, "minute": 46}
